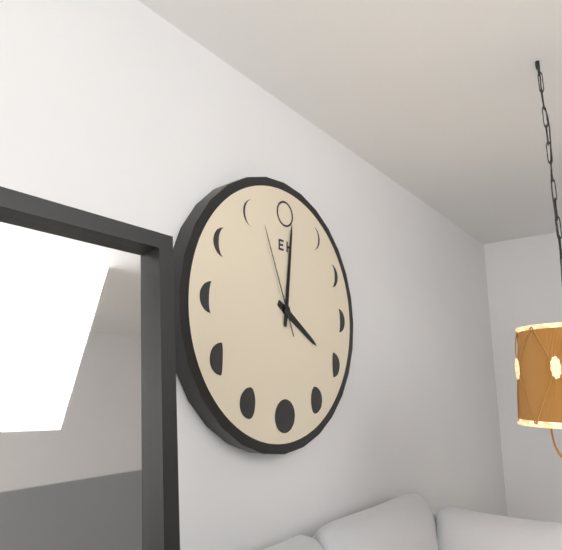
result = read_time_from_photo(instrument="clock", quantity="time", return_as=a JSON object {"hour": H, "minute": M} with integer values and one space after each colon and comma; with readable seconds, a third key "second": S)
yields {"hour": 4, "minute": 1, "second": 56}
